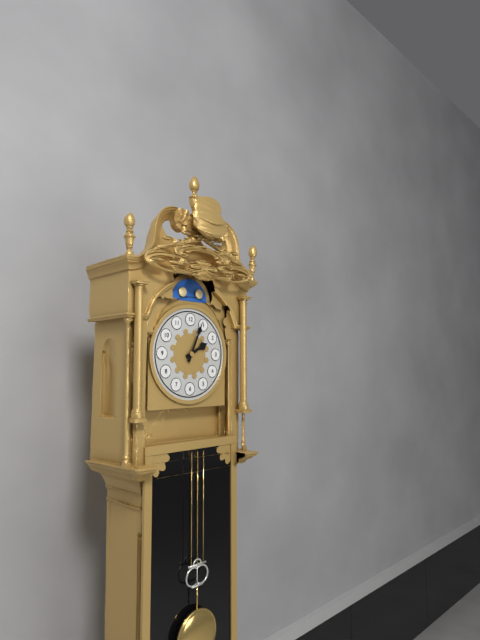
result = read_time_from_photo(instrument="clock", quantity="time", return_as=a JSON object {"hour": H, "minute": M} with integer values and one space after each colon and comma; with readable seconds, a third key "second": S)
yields {"hour": 2, "minute": 4}
